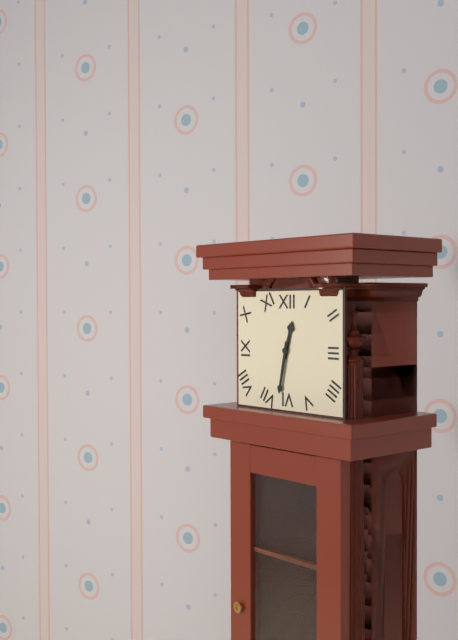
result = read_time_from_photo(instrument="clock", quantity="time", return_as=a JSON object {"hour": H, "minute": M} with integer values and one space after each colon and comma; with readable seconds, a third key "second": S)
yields {"hour": 12, "minute": 32}
